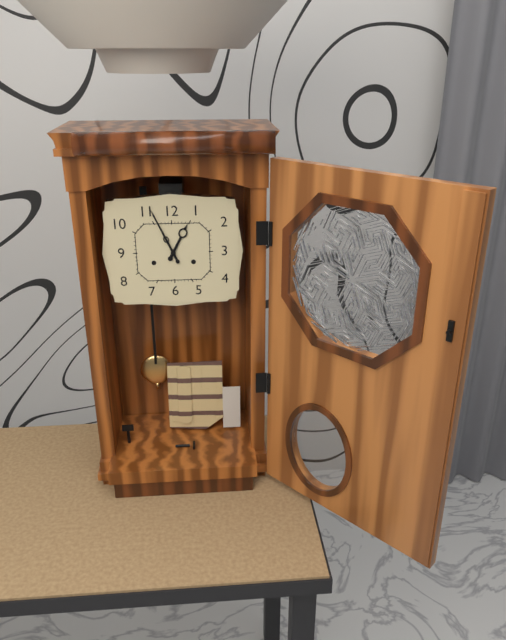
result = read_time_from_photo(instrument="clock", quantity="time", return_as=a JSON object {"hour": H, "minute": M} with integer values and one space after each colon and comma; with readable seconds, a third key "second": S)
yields {"hour": 12, "minute": 56}
